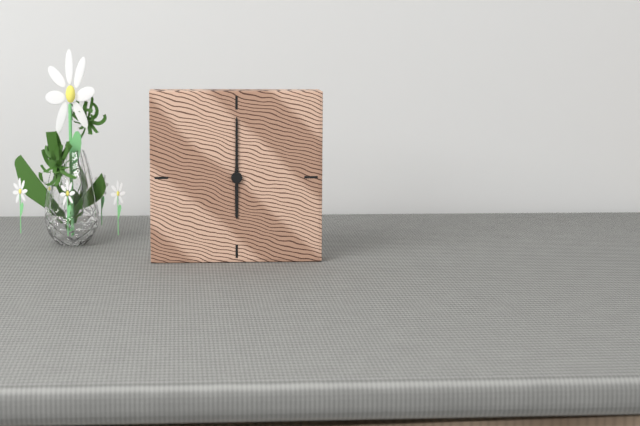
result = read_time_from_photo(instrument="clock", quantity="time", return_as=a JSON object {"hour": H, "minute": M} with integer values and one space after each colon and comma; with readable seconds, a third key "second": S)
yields {"hour": 6, "minute": 0}
